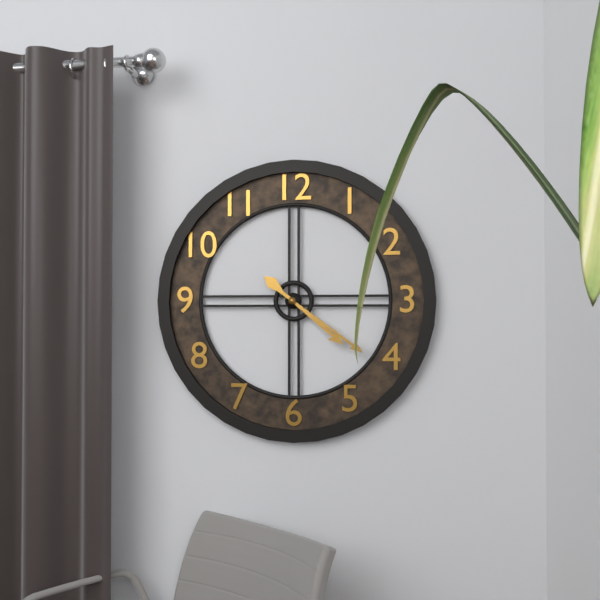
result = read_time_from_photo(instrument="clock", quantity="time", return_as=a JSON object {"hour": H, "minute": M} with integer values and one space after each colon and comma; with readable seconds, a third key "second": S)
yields {"hour": 4, "minute": 21}
